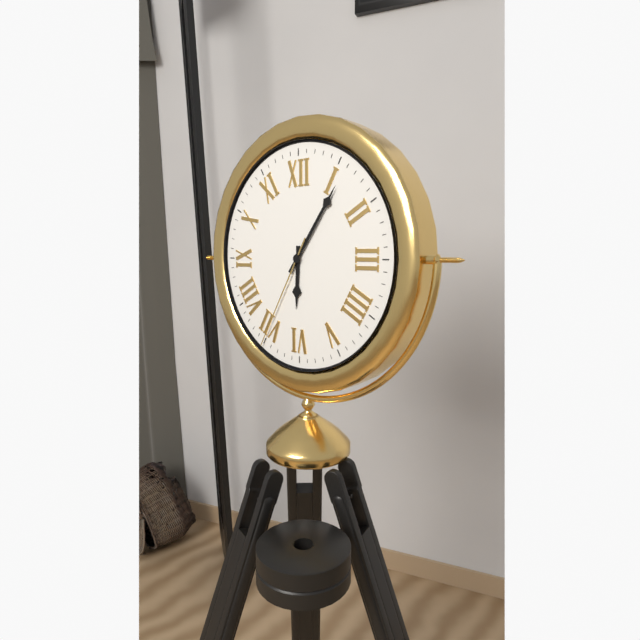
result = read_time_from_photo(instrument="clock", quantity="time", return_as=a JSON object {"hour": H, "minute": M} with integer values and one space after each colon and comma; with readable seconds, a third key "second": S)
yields {"hour": 6, "minute": 6, "second": 35}
